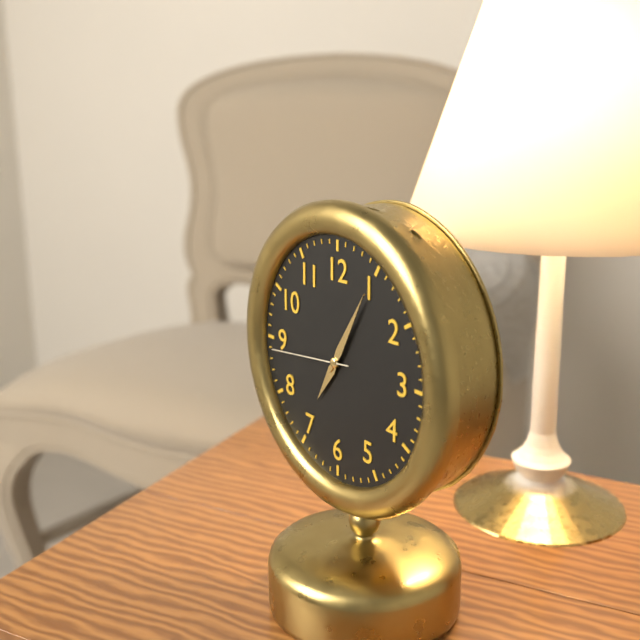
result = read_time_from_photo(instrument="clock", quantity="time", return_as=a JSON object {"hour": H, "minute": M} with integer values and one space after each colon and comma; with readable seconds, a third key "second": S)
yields {"hour": 7, "minute": 5, "second": 44}
